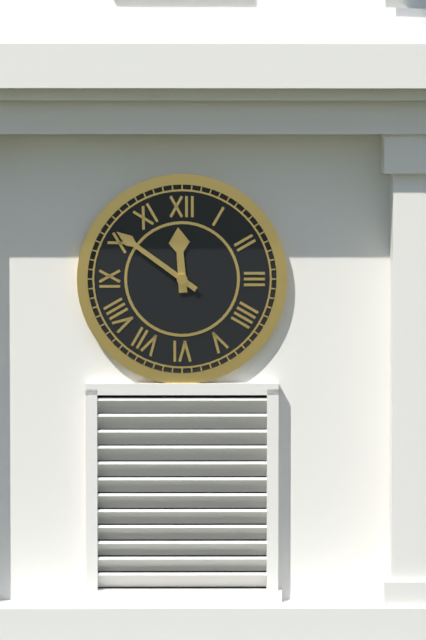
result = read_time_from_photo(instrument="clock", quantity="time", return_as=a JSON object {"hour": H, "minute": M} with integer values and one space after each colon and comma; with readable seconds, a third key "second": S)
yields {"hour": 11, "minute": 51}
